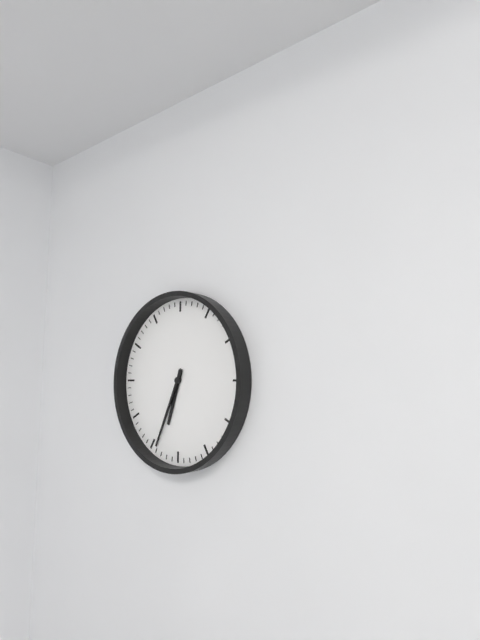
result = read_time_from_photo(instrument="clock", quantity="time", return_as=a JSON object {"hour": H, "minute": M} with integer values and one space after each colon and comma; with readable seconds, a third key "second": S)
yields {"hour": 6, "minute": 34}
